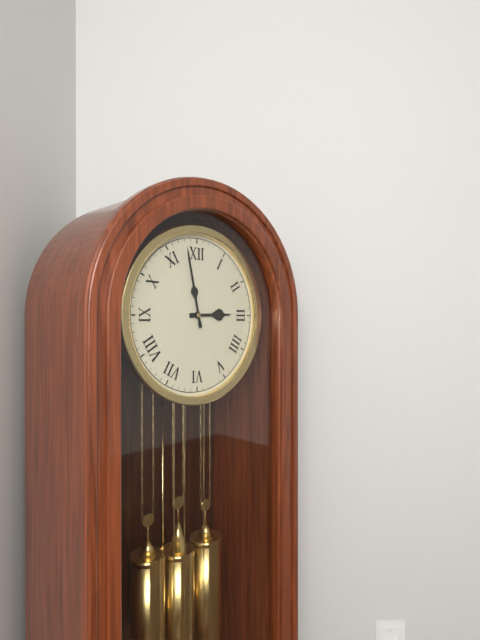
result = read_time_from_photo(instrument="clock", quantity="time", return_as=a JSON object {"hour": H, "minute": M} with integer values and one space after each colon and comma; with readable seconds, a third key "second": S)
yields {"hour": 2, "minute": 58}
